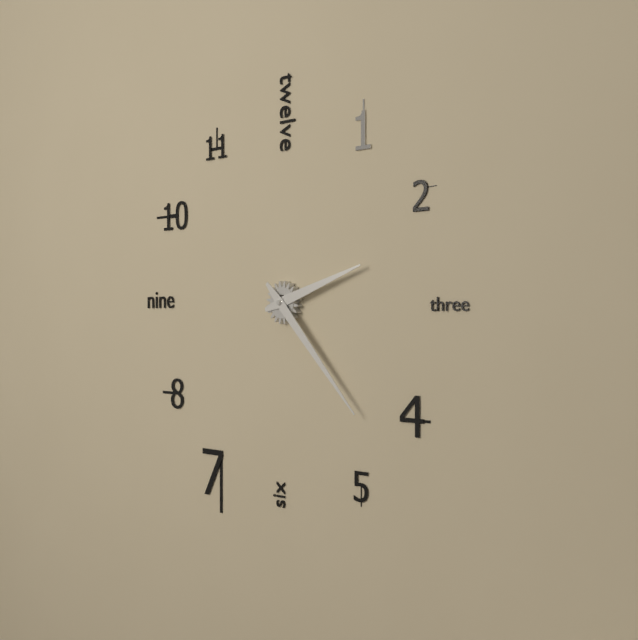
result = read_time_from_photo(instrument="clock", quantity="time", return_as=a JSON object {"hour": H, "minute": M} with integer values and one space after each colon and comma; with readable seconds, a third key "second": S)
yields {"hour": 2, "minute": 23}
